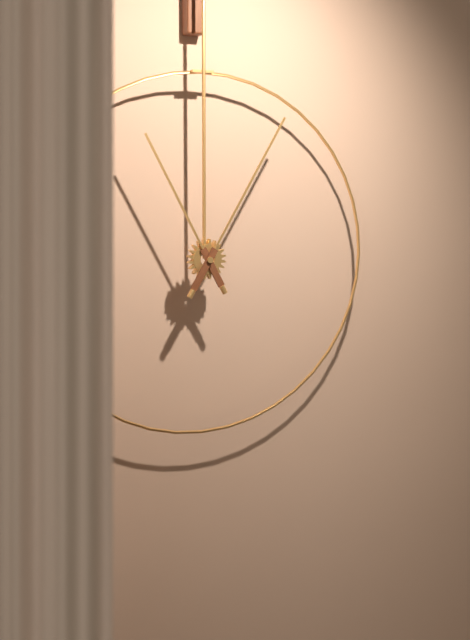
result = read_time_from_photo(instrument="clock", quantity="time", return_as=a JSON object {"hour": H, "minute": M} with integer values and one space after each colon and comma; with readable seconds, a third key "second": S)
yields {"hour": 11, "minute": 5}
